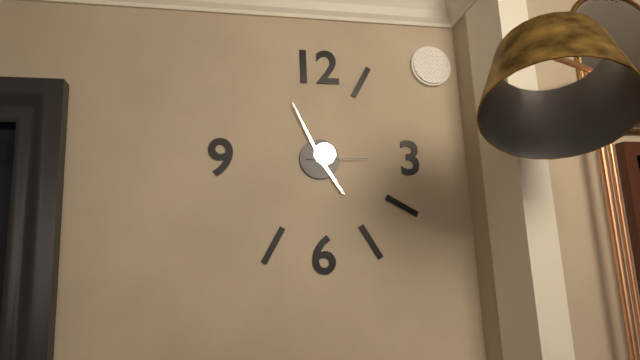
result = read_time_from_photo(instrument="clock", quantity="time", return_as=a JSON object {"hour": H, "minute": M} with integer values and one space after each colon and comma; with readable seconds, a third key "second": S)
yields {"hour": 4, "minute": 56, "second": 15}
